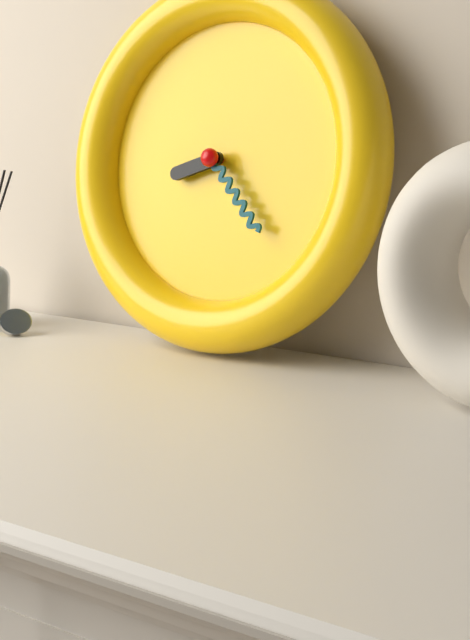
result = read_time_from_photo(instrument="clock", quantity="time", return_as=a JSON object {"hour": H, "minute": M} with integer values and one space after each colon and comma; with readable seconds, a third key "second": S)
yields {"hour": 8, "minute": 23}
